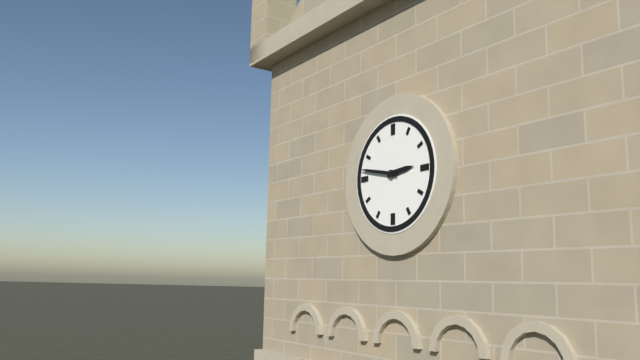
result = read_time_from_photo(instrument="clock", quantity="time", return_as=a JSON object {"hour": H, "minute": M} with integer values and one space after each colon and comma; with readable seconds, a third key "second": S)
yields {"hour": 2, "minute": 47}
